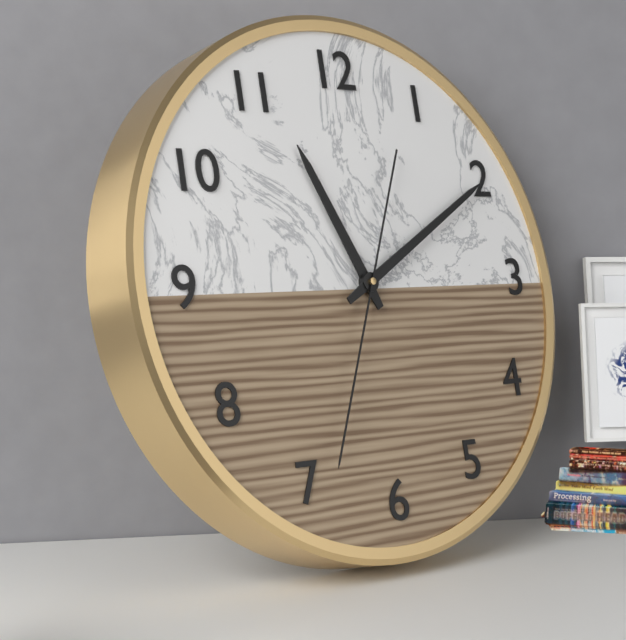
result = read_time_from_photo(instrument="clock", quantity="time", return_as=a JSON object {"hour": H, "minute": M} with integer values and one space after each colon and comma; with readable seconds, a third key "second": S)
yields {"hour": 11, "minute": 10, "second": 34}
